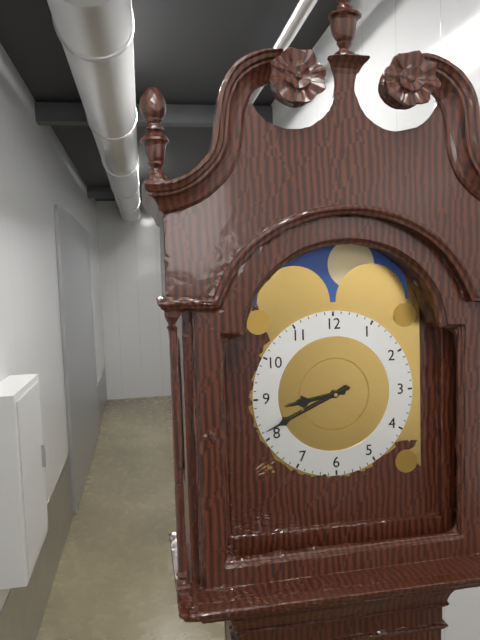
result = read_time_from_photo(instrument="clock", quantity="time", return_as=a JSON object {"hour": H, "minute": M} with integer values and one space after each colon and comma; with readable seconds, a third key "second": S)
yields {"hour": 8, "minute": 41}
